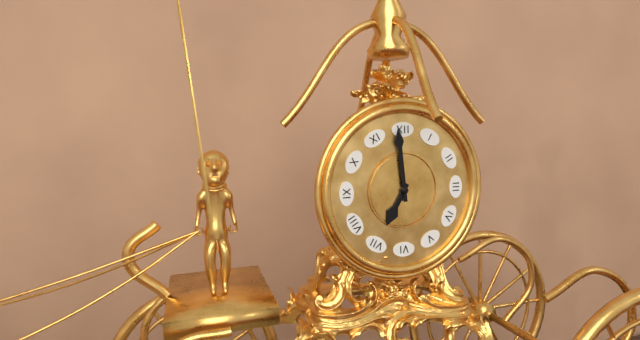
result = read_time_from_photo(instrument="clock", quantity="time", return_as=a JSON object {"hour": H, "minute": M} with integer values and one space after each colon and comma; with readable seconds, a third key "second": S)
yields {"hour": 6, "minute": 59}
